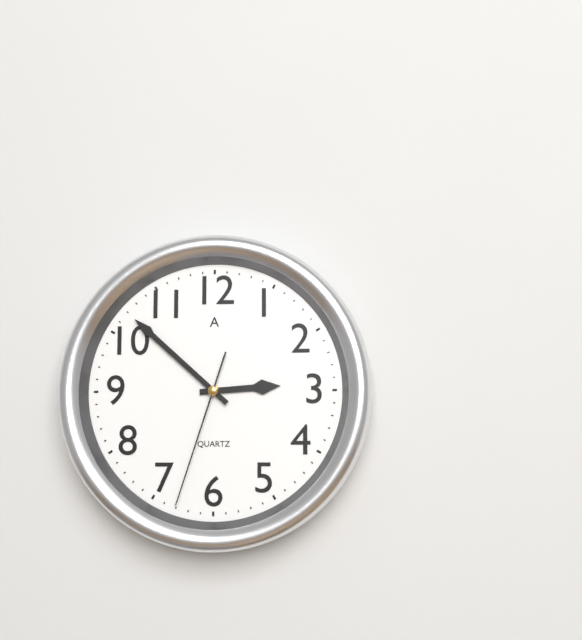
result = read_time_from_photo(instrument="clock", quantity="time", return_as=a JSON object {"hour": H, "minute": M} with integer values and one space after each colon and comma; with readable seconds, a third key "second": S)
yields {"hour": 2, "minute": 52, "second": 33}
